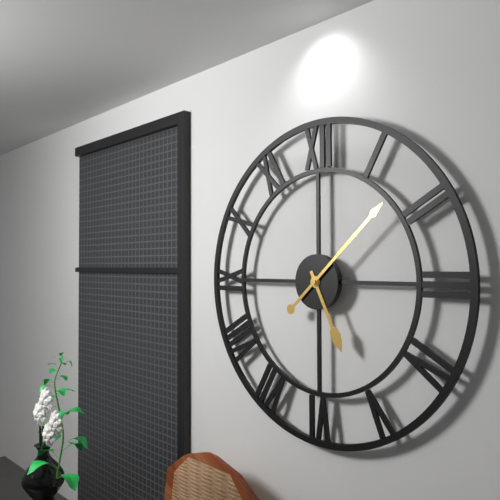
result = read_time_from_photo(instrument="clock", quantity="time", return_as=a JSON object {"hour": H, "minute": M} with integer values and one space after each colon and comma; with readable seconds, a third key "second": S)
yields {"hour": 5, "minute": 8}
